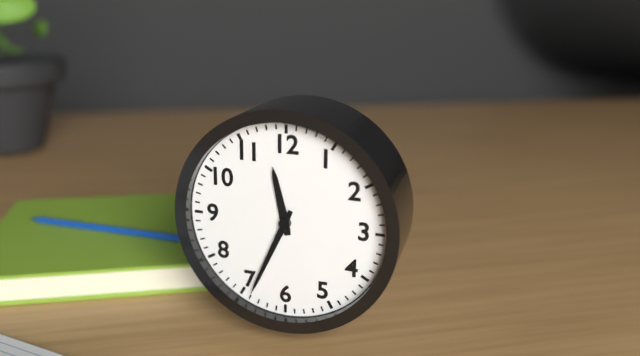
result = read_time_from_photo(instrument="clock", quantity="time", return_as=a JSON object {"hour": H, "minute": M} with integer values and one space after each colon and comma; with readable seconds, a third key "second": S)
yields {"hour": 11, "minute": 34}
